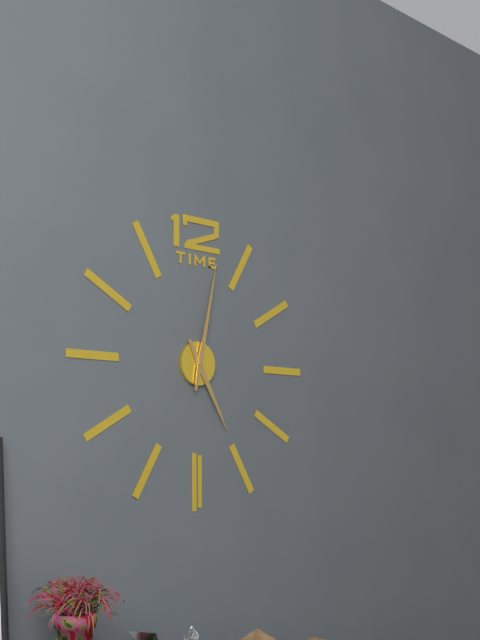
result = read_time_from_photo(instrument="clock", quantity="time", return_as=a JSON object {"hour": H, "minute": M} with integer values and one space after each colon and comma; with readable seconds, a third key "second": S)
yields {"hour": 5, "minute": 2}
